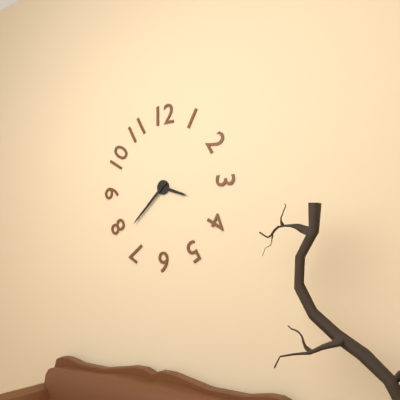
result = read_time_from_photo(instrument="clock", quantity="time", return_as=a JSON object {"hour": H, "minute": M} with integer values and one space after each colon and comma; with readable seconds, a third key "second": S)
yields {"hour": 3, "minute": 38}
